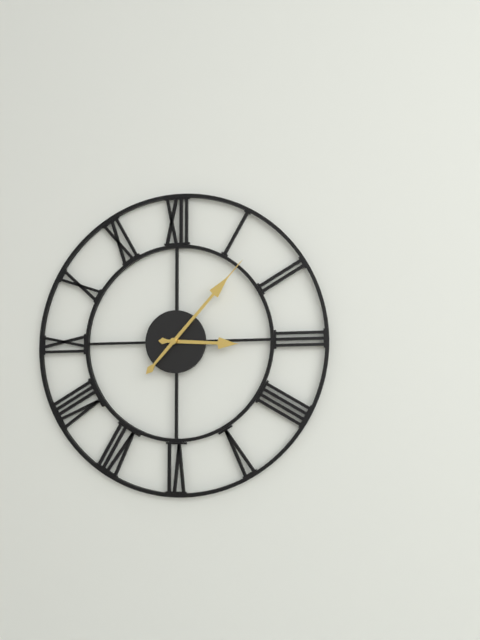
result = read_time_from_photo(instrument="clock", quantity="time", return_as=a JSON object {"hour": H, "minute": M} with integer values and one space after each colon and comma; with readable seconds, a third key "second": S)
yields {"hour": 3, "minute": 7}
